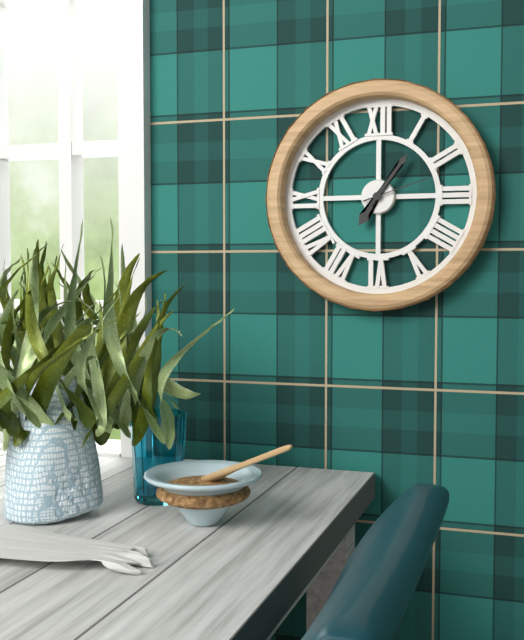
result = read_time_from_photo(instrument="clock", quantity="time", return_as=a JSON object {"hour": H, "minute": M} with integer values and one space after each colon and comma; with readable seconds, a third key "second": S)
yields {"hour": 7, "minute": 6, "second": 12}
